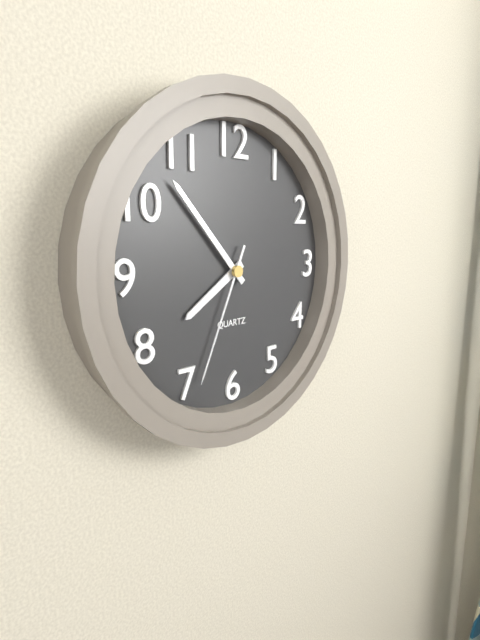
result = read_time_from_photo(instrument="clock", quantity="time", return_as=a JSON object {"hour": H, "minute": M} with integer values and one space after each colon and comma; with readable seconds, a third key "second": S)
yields {"hour": 7, "minute": 53, "second": 34}
